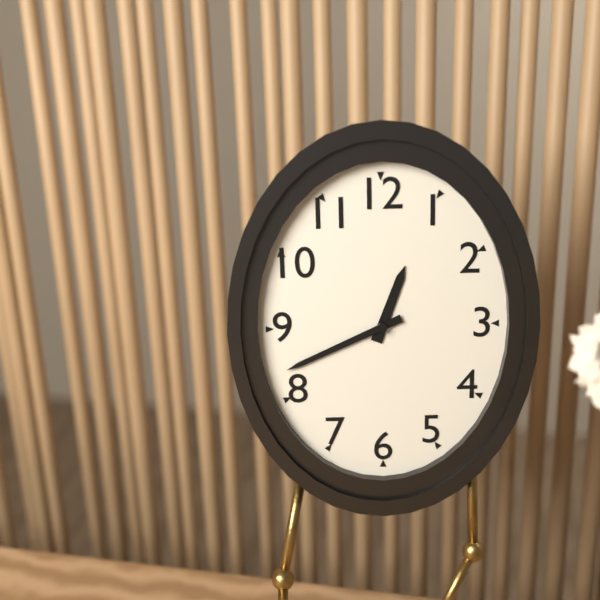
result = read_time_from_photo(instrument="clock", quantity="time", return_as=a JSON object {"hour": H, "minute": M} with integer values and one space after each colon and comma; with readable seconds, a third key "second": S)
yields {"hour": 12, "minute": 41}
